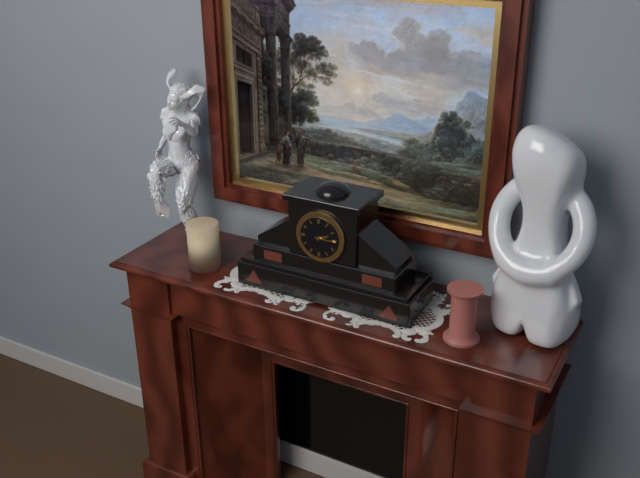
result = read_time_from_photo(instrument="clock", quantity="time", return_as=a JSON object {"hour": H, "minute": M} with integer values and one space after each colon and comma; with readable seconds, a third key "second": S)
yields {"hour": 2, "minute": 15}
